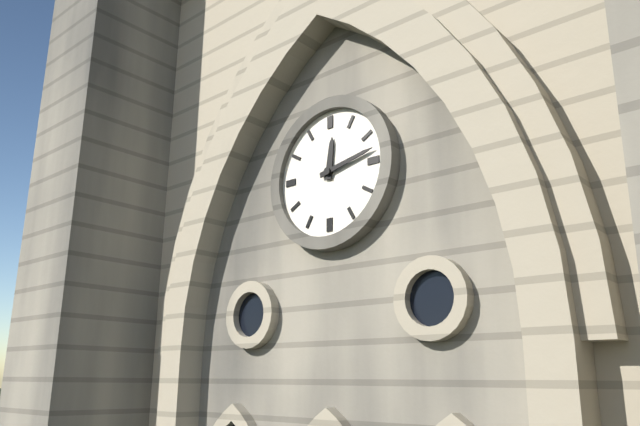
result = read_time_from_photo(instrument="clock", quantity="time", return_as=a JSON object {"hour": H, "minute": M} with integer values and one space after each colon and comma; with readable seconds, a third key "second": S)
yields {"hour": 12, "minute": 13}
